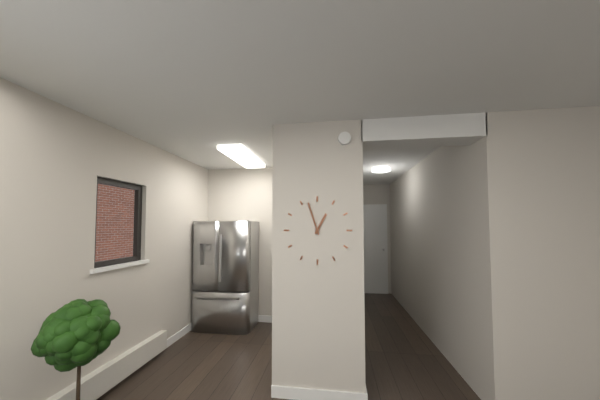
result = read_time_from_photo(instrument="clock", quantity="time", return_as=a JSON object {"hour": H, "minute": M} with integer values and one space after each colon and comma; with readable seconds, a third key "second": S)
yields {"hour": 12, "minute": 57}
